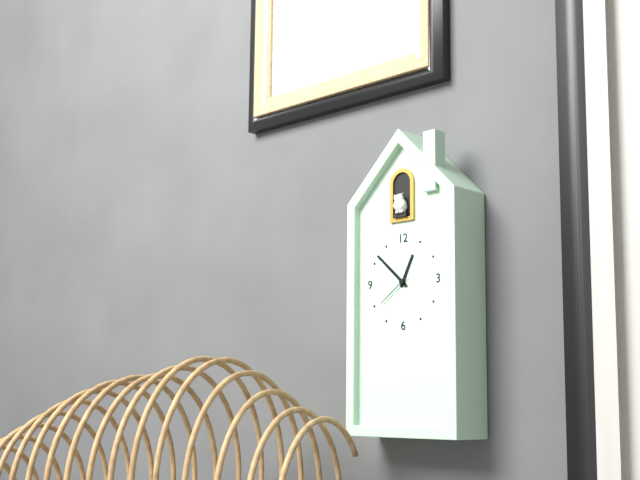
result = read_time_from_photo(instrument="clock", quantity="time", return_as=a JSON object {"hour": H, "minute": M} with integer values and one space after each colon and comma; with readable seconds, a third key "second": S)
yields {"hour": 12, "minute": 52}
